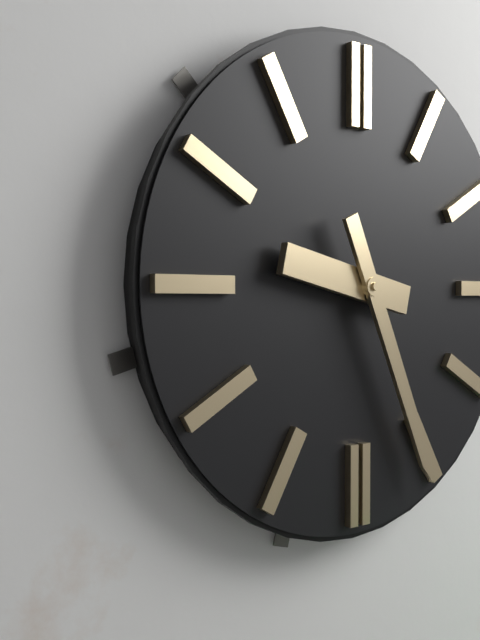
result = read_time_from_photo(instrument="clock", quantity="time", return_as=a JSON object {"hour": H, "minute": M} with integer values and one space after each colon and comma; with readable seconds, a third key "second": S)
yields {"hour": 9, "minute": 26}
